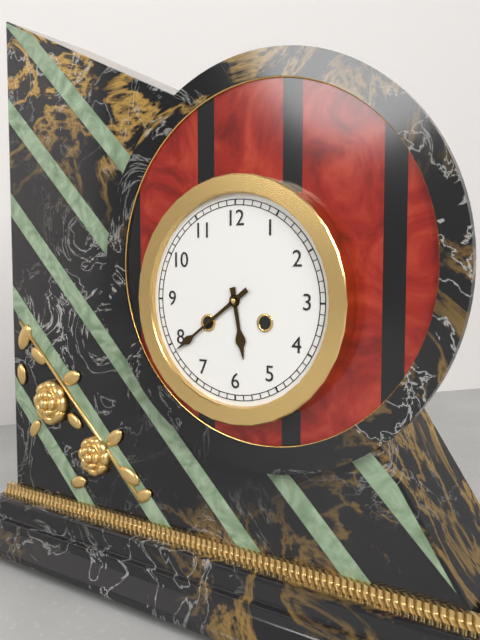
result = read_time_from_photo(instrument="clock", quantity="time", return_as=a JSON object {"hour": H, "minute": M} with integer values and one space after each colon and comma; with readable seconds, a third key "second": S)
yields {"hour": 5, "minute": 39}
